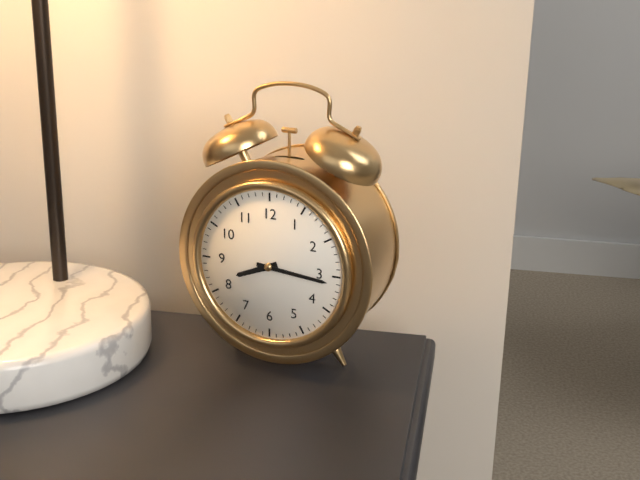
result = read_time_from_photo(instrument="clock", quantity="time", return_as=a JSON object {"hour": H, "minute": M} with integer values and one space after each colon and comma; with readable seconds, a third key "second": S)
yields {"hour": 8, "minute": 16}
